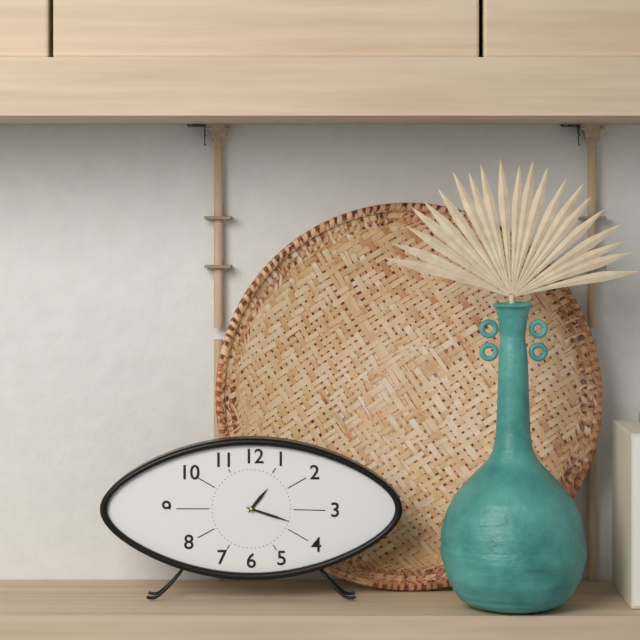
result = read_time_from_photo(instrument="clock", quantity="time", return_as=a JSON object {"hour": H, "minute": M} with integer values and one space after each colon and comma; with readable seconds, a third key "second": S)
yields {"hour": 1, "minute": 18}
